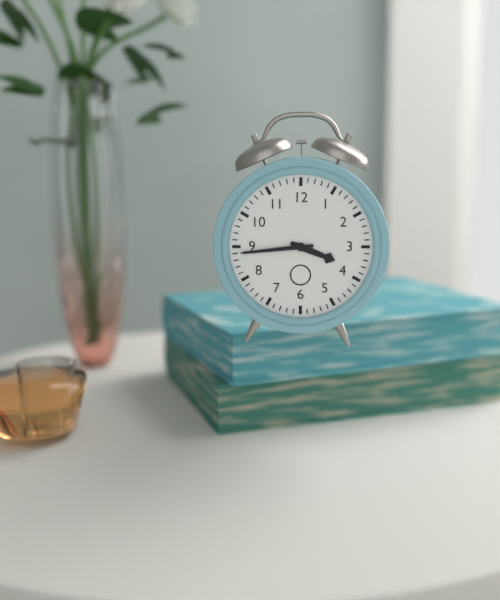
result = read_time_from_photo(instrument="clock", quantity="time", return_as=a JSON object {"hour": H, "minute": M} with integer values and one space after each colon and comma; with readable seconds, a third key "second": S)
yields {"hour": 3, "minute": 44}
